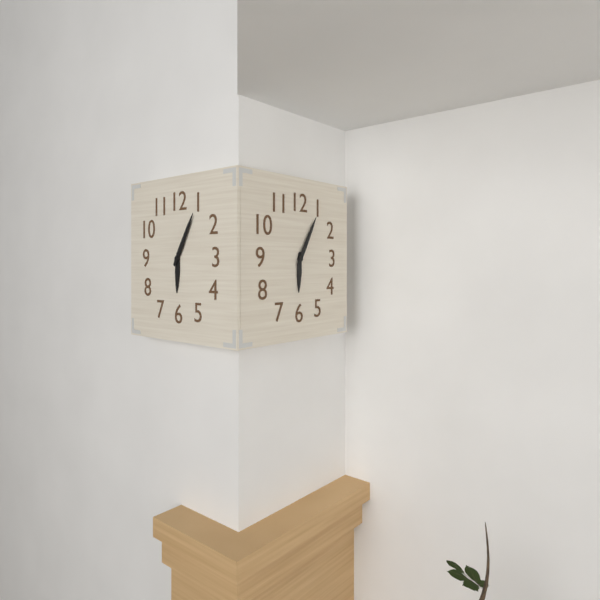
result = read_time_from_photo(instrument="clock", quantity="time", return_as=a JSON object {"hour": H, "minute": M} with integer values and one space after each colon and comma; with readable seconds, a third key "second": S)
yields {"hour": 6, "minute": 5}
